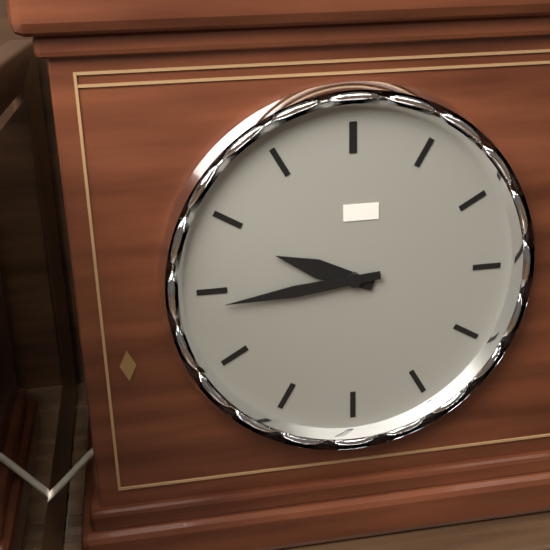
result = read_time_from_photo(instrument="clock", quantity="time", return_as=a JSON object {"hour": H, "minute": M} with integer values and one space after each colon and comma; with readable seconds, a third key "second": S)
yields {"hour": 9, "minute": 44}
